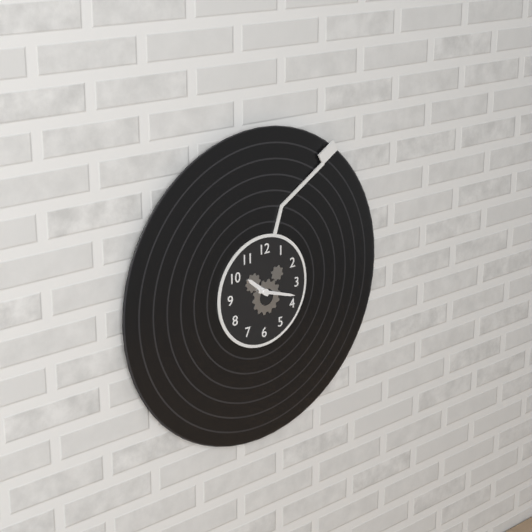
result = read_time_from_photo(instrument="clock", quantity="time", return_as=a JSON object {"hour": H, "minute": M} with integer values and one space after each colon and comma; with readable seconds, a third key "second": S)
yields {"hour": 10, "minute": 18}
